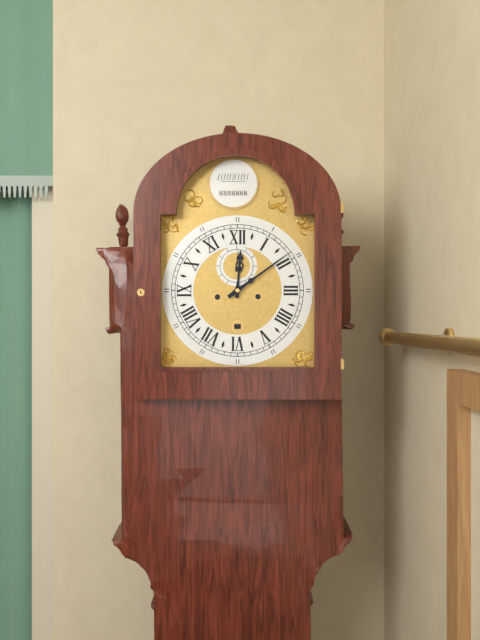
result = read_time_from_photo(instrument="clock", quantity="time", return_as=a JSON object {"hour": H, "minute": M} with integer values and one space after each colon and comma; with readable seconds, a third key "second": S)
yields {"hour": 12, "minute": 9}
